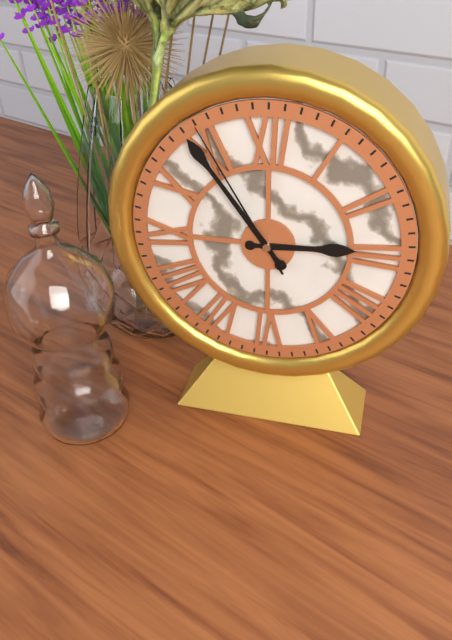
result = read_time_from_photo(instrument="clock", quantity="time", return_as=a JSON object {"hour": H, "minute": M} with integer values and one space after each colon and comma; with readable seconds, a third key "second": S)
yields {"hour": 2, "minute": 54, "second": 55}
